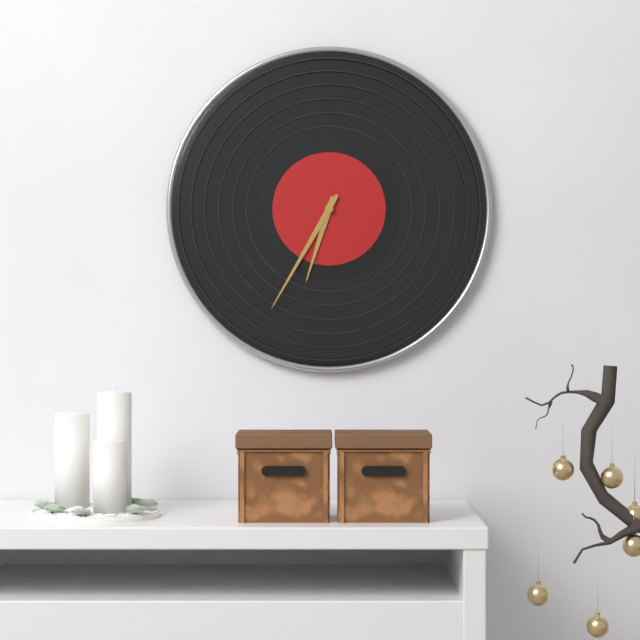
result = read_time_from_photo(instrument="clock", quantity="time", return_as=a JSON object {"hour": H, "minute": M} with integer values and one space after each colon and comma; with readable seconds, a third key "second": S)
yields {"hour": 6, "minute": 35}
